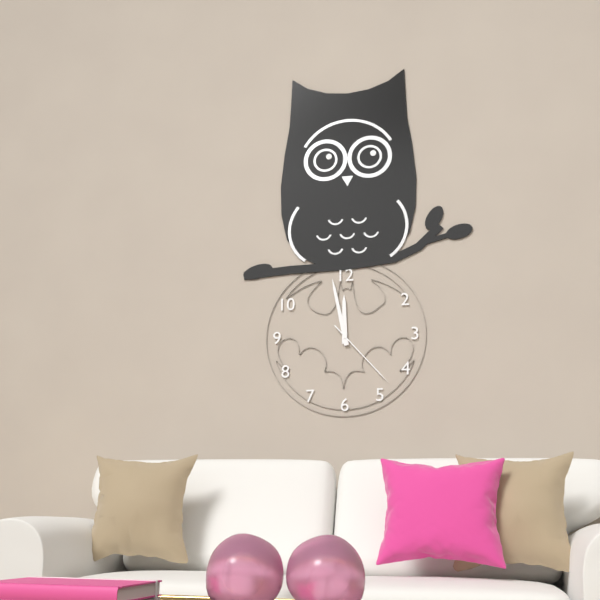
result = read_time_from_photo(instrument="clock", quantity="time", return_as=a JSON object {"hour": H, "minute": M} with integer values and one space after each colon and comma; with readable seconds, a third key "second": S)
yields {"hour": 11, "minute": 58, "second": 23}
